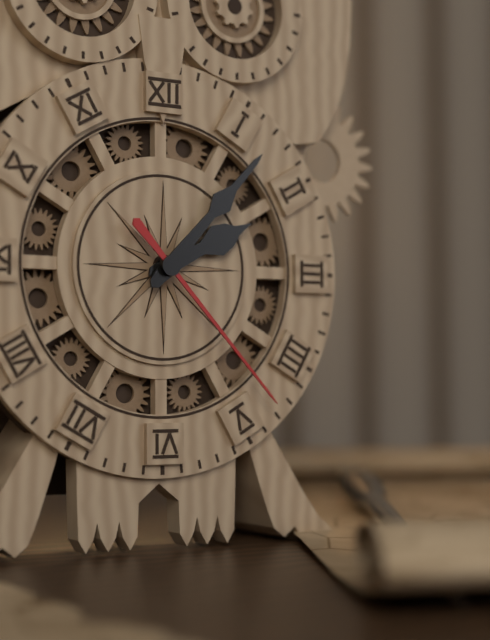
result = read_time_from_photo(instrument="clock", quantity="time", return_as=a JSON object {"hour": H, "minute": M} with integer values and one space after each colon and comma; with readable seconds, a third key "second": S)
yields {"hour": 2, "minute": 7, "second": 23}
